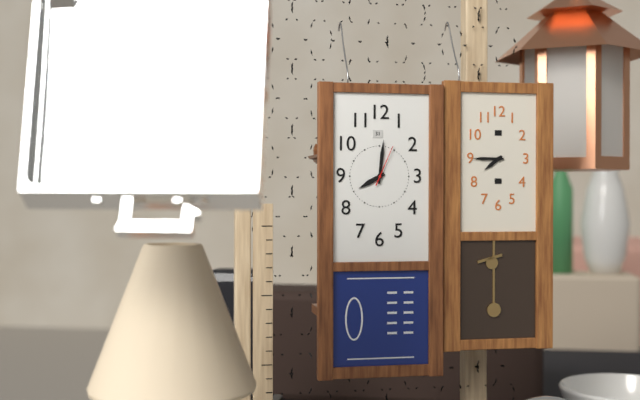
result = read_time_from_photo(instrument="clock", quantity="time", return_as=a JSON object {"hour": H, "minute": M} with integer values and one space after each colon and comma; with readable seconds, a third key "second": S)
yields {"hour": 8, "minute": 1}
